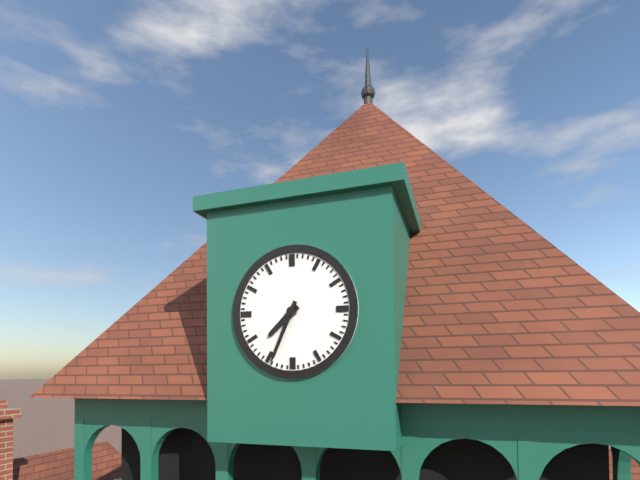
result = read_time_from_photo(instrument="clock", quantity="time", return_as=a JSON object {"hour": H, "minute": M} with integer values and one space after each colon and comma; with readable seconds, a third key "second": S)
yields {"hour": 7, "minute": 34}
